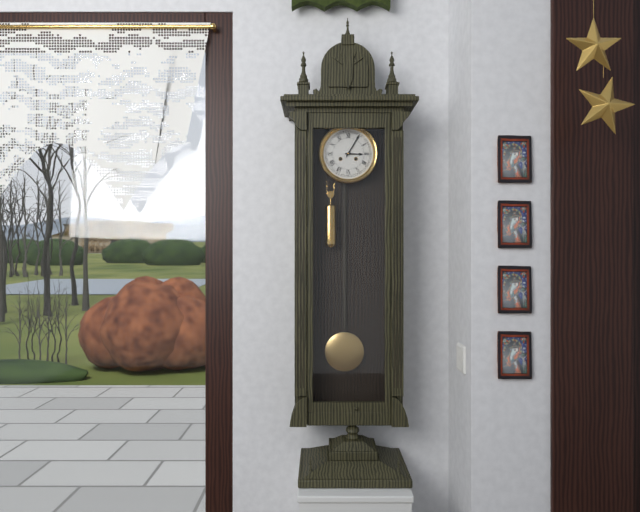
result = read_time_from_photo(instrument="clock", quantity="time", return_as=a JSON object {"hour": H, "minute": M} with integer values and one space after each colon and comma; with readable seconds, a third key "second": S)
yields {"hour": 3, "minute": 5}
